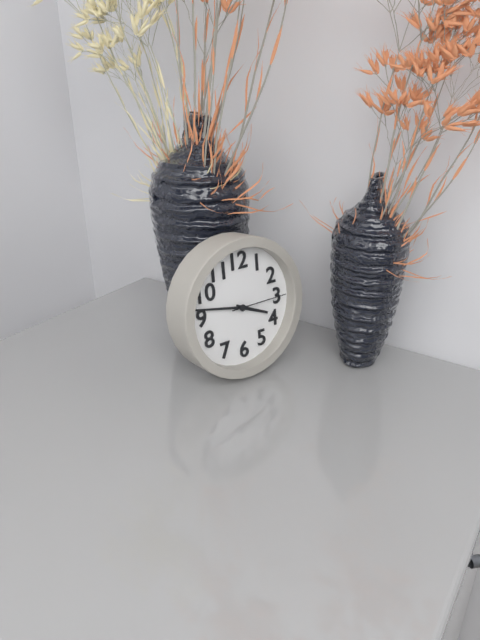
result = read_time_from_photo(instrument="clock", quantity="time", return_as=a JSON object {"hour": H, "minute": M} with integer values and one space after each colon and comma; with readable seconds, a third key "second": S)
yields {"hour": 3, "minute": 47, "second": 15}
